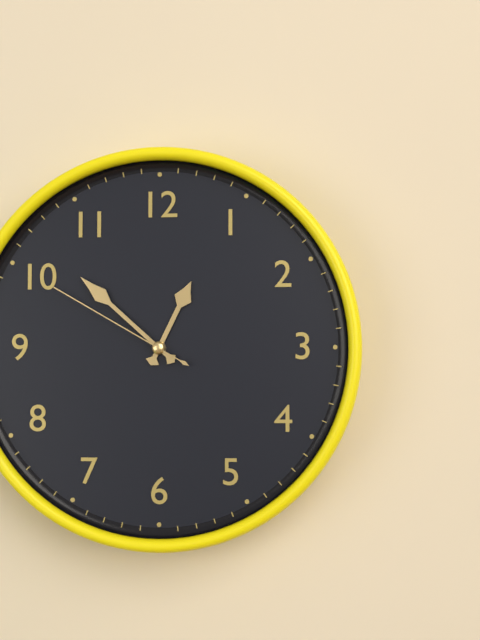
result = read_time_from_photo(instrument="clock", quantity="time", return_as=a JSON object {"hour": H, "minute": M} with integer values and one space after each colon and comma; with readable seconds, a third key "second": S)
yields {"hour": 12, "minute": 52, "second": 50}
